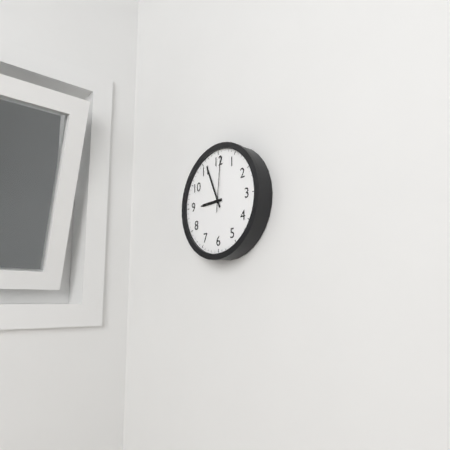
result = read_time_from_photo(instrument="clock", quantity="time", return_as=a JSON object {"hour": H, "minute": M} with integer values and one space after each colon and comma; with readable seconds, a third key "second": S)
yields {"hour": 8, "minute": 56, "second": 1}
